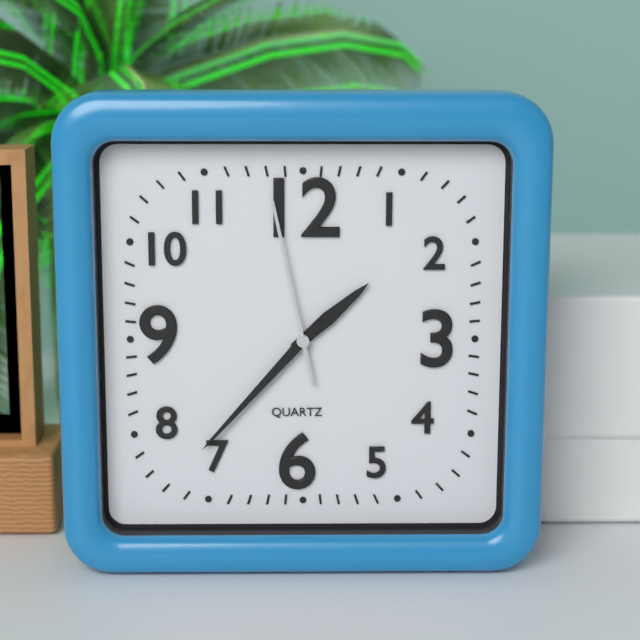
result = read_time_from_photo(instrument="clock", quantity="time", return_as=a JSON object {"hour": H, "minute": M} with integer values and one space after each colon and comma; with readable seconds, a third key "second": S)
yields {"hour": 1, "minute": 37, "second": 58}
